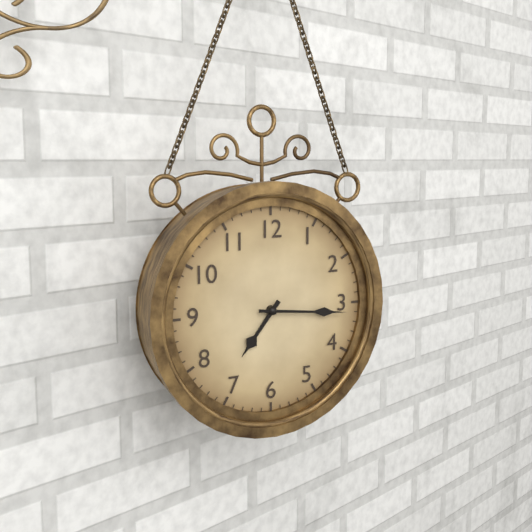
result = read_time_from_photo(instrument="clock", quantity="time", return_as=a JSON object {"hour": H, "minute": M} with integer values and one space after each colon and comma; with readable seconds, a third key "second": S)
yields {"hour": 7, "minute": 16}
